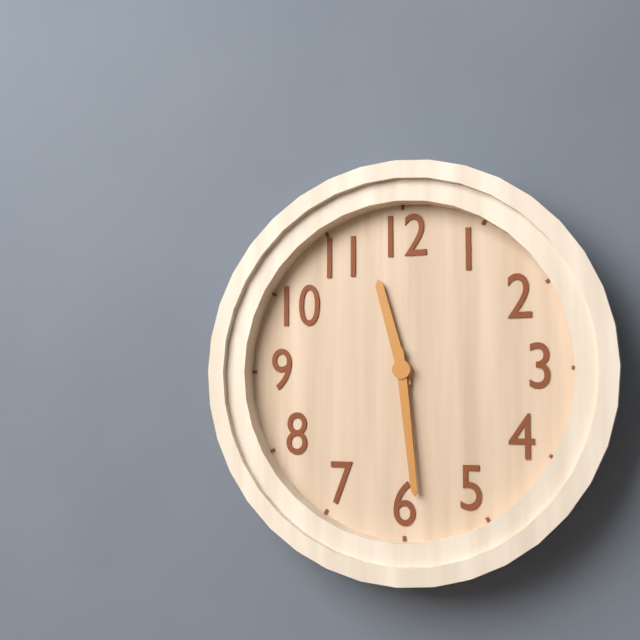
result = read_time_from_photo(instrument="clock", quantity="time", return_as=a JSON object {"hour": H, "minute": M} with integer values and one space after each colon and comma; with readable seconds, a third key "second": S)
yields {"hour": 11, "minute": 29}
